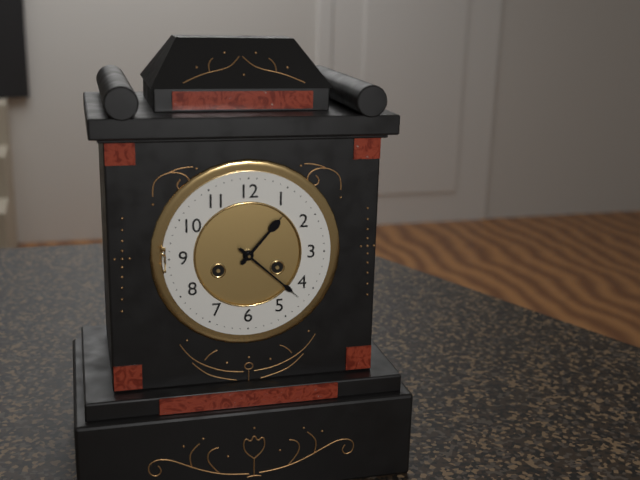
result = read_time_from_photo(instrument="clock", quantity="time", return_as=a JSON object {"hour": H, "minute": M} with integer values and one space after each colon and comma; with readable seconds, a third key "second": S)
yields {"hour": 1, "minute": 22}
